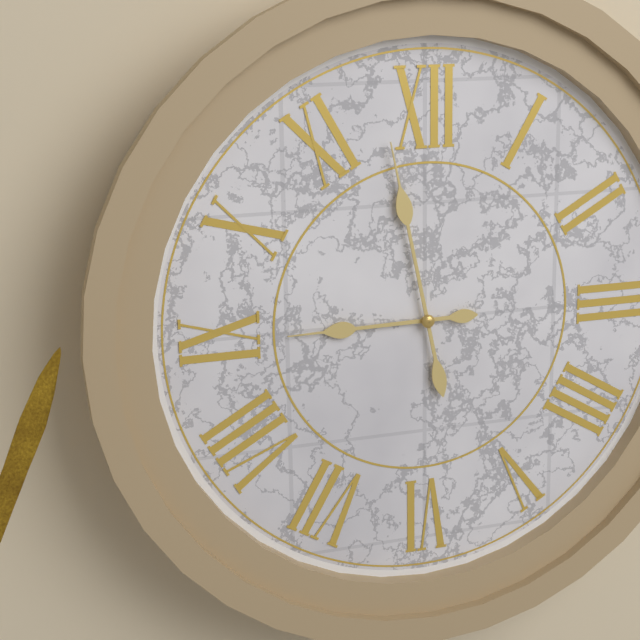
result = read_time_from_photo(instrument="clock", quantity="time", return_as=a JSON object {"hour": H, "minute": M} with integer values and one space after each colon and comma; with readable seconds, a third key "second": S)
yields {"hour": 8, "minute": 58}
